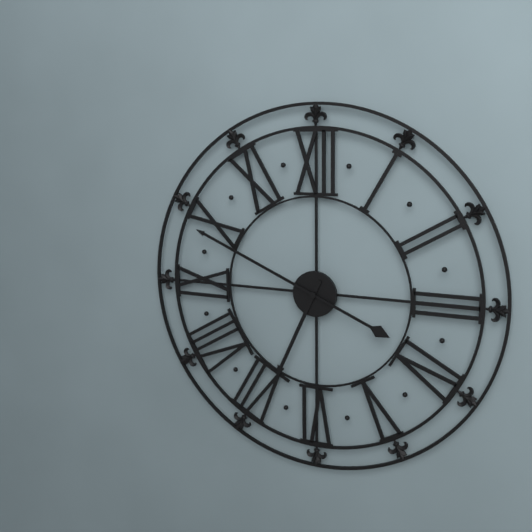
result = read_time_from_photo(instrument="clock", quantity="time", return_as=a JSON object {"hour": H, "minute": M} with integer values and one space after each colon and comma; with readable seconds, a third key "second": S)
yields {"hour": 6, "minute": 49}
